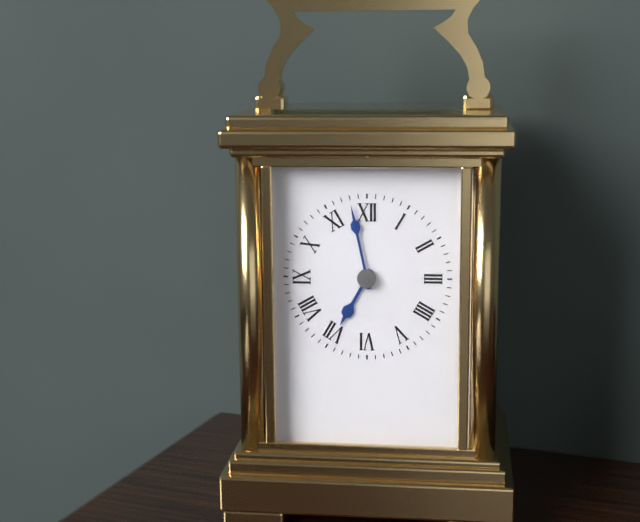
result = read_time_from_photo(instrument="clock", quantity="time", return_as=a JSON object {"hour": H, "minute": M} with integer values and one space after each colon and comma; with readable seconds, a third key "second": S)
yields {"hour": 6, "minute": 58}
